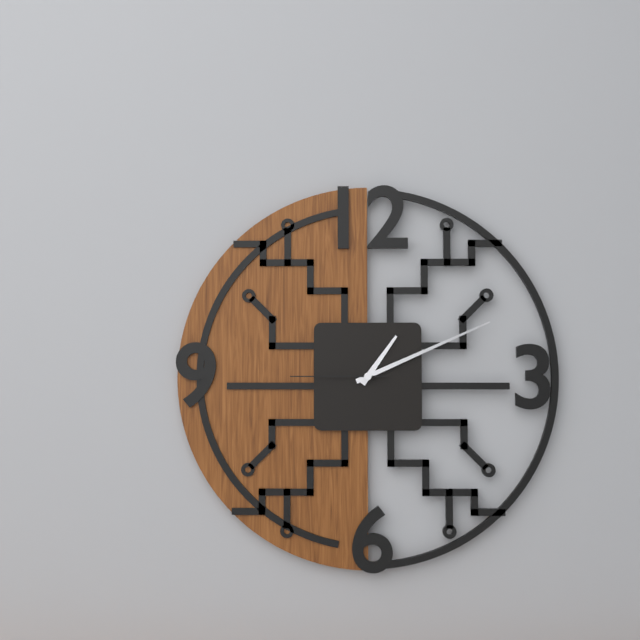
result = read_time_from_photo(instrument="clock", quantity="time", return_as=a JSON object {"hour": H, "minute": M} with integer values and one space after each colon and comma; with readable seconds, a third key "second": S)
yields {"hour": 1, "minute": 11, "second": 45}
